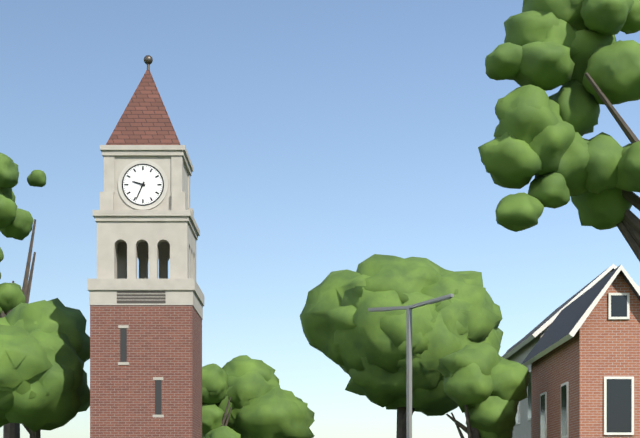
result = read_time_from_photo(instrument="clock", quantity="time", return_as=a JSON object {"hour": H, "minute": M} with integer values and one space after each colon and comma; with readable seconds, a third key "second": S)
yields {"hour": 9, "minute": 34}
